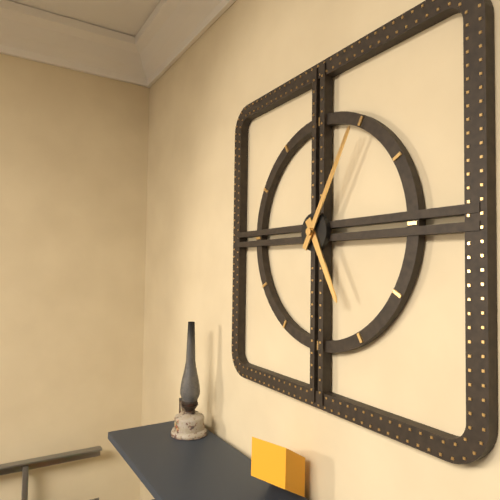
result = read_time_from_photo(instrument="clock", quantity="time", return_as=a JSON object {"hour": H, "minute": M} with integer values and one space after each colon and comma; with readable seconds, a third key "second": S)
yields {"hour": 5, "minute": 5}
